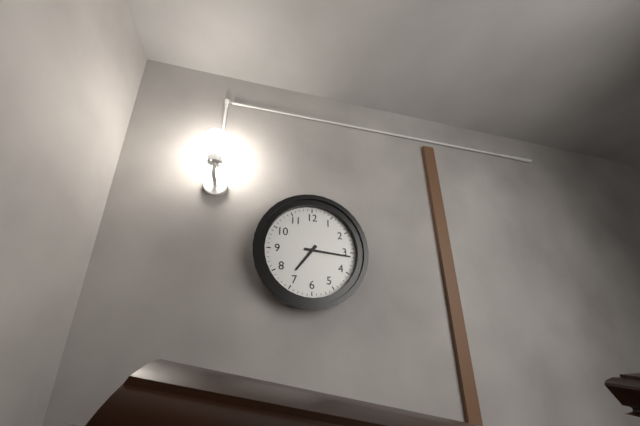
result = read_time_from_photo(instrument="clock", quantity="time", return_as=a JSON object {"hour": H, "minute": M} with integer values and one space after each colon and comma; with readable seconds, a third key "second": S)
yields {"hour": 7, "minute": 16}
